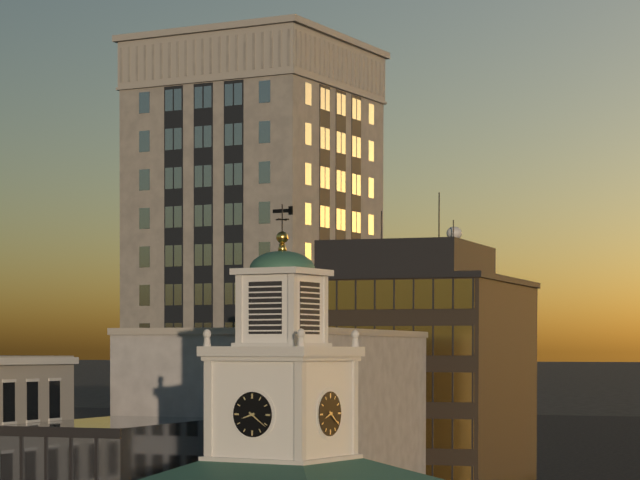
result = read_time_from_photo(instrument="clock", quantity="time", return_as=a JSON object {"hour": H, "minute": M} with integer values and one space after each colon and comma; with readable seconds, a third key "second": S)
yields {"hour": 8, "minute": 21}
